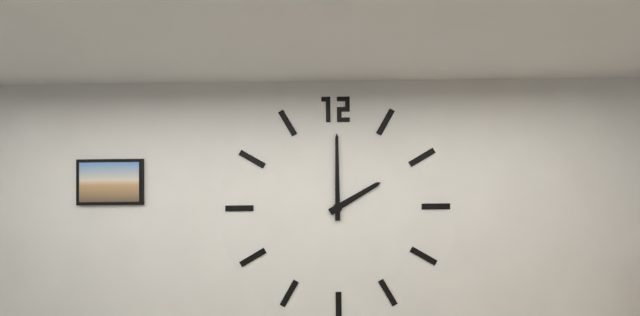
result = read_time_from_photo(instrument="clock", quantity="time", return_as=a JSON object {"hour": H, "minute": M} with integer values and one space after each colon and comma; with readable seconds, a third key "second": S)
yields {"hour": 2, "minute": 0}
